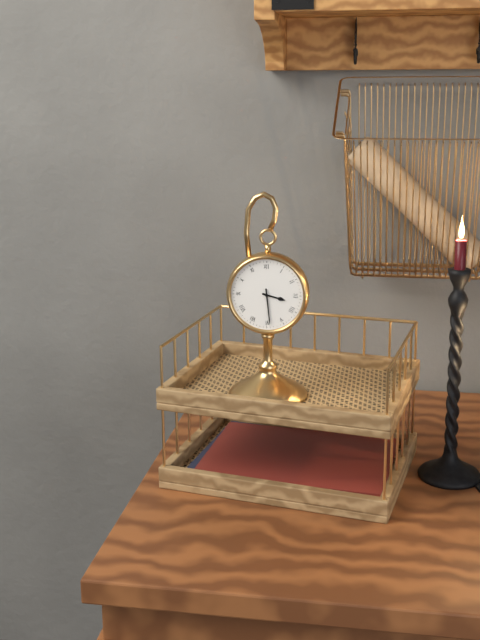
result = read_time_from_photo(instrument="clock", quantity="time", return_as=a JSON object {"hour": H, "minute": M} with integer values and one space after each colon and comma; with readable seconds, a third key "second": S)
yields {"hour": 3, "minute": 29}
